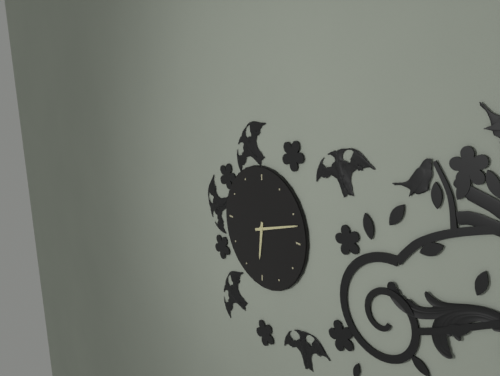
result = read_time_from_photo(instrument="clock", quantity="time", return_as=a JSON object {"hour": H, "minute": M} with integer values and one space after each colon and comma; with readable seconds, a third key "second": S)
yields {"hour": 6, "minute": 12}
